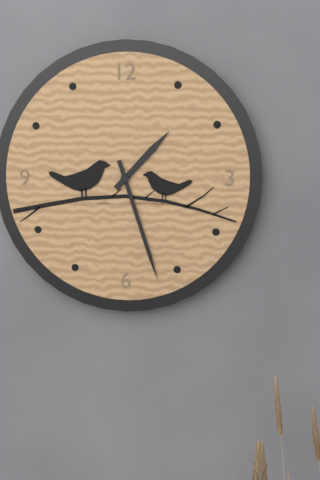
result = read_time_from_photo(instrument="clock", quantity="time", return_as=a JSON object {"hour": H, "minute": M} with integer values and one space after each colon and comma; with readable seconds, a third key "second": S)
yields {"hour": 1, "minute": 27}
